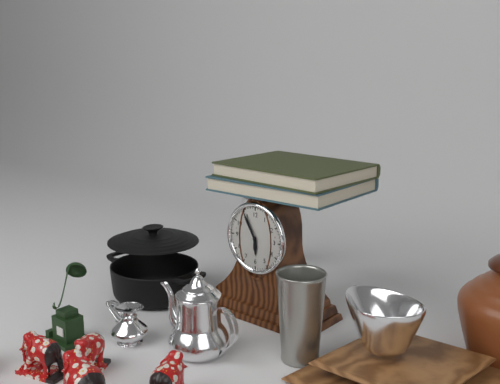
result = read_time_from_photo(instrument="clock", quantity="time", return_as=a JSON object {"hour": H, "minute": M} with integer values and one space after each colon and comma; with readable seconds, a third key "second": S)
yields {"hour": 5, "minute": 55}
